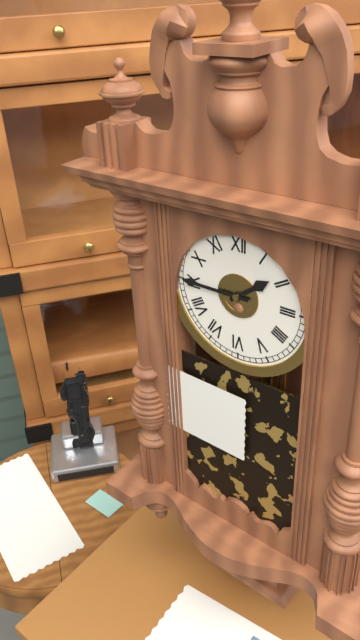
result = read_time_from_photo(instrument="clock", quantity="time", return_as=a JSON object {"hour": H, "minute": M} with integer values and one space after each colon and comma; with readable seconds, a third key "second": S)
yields {"hour": 1, "minute": 45}
